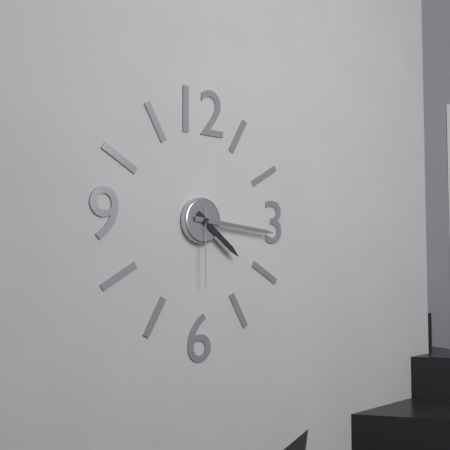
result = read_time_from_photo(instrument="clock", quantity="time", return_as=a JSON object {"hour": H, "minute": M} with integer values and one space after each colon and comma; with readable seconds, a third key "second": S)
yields {"hour": 4, "minute": 16, "second": 30}
